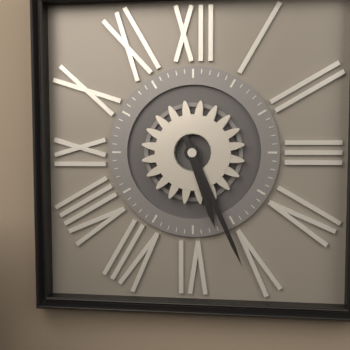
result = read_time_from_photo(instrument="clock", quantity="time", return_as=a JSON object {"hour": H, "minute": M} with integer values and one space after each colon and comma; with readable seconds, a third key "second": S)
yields {"hour": 5, "minute": 26}
